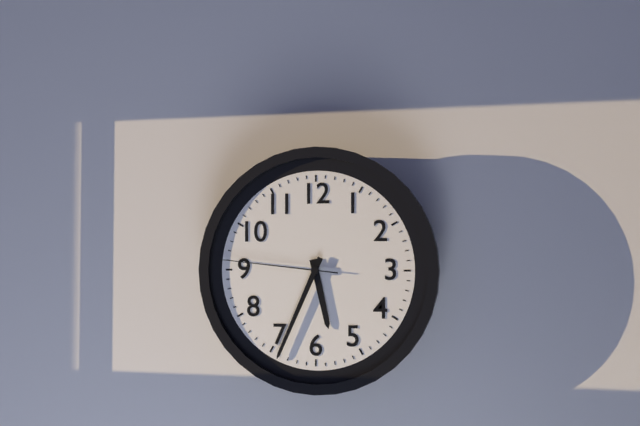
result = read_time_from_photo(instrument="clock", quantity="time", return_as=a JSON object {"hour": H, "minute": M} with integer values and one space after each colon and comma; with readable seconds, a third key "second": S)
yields {"hour": 5, "minute": 34, "second": 46}
